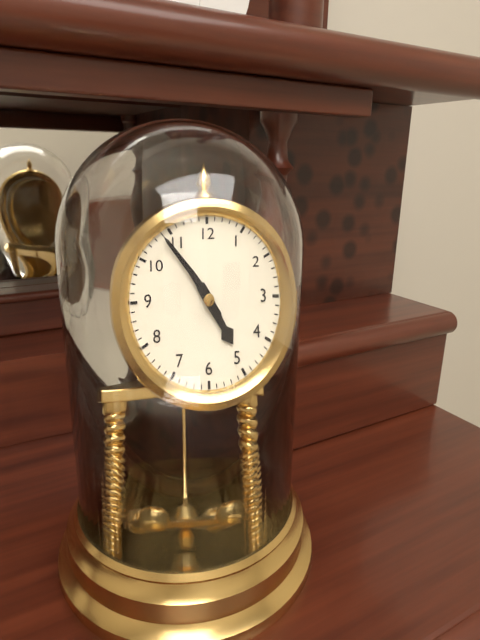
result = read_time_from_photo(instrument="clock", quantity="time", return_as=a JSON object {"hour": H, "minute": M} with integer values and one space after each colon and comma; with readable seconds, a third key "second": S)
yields {"hour": 4, "minute": 54}
